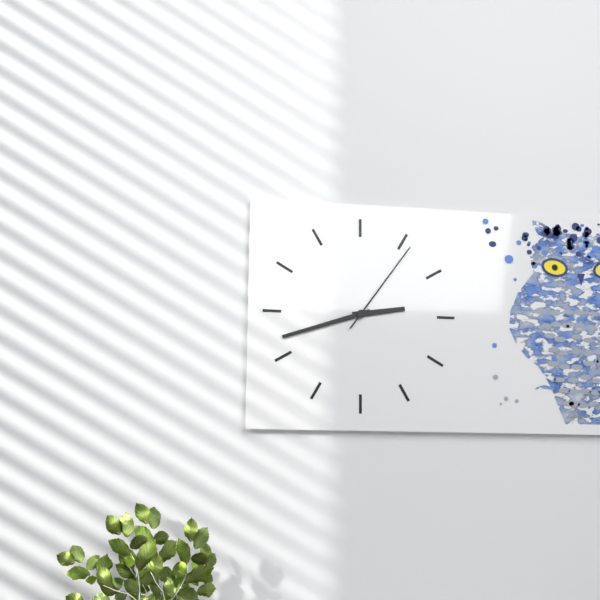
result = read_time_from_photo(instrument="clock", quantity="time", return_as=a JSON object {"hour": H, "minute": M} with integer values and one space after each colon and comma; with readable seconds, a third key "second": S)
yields {"hour": 2, "minute": 42, "second": 6}
